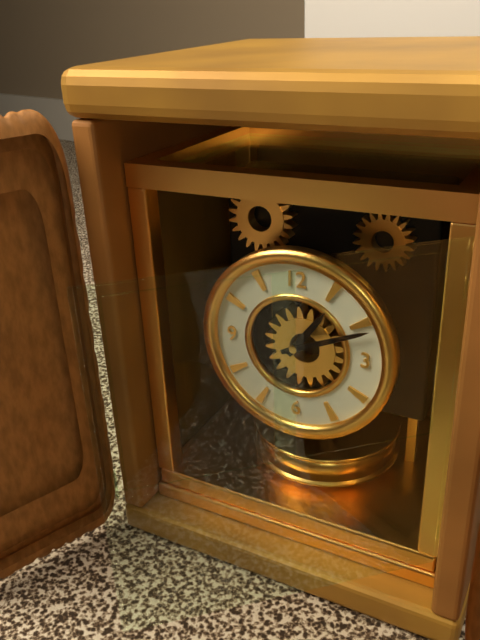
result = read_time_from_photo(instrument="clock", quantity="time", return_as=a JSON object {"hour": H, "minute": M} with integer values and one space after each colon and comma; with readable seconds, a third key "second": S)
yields {"hour": 1, "minute": 11}
